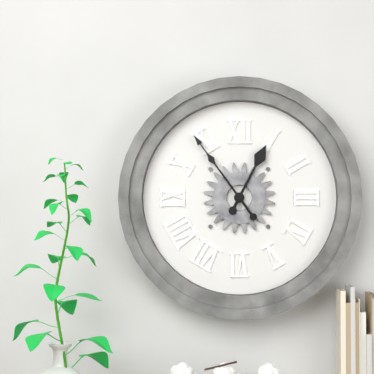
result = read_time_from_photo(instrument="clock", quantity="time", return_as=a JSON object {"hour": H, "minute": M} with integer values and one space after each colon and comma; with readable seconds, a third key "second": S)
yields {"hour": 12, "minute": 54}
